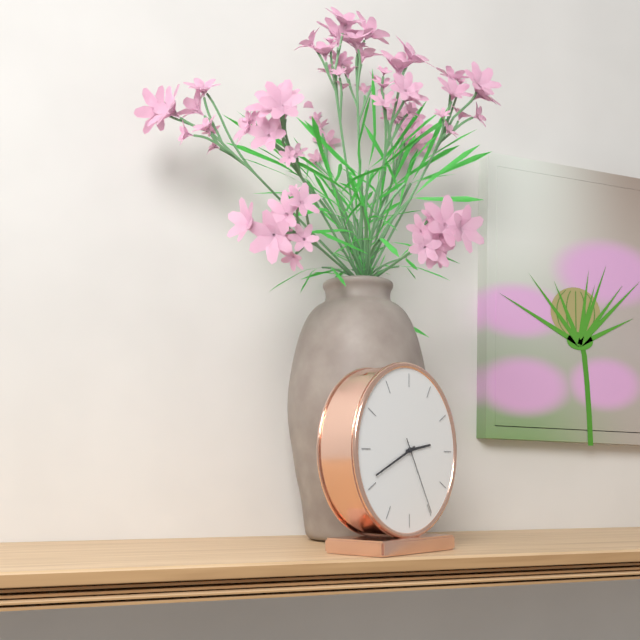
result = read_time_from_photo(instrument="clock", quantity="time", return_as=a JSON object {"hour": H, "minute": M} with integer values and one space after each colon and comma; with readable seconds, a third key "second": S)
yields {"hour": 2, "minute": 41, "second": 25}
